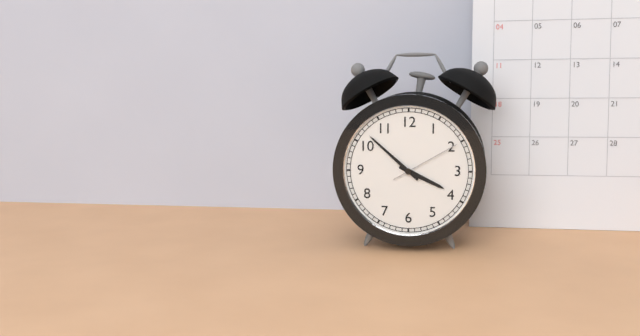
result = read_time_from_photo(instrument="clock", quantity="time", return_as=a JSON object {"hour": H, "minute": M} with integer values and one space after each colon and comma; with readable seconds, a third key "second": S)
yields {"hour": 3, "minute": 52, "second": 10}
